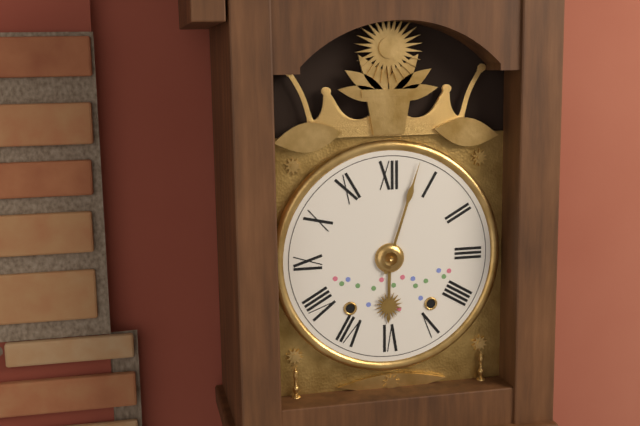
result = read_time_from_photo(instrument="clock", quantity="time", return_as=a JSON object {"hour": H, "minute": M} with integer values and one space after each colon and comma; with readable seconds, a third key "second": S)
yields {"hour": 6, "minute": 3}
